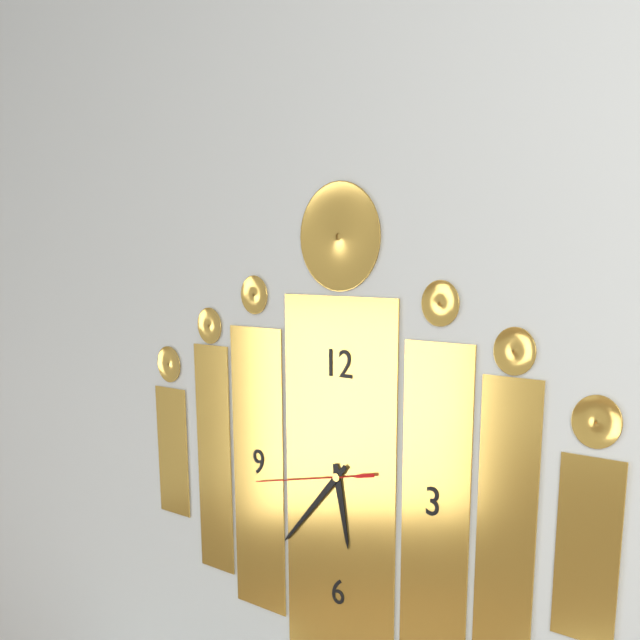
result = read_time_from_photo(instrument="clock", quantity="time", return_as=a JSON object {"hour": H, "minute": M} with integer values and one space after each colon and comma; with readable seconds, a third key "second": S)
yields {"hour": 5, "minute": 37, "second": 43}
